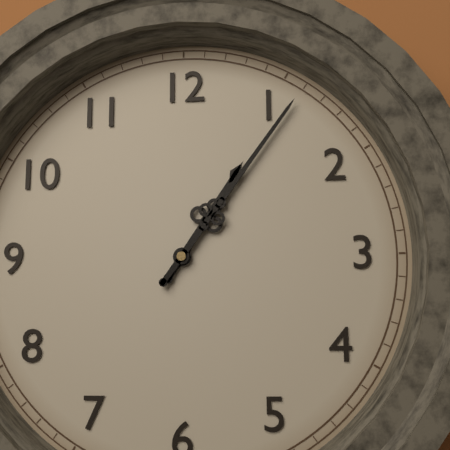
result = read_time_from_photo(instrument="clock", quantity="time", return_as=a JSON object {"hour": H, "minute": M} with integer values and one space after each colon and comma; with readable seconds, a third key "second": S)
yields {"hour": 1, "minute": 6}
